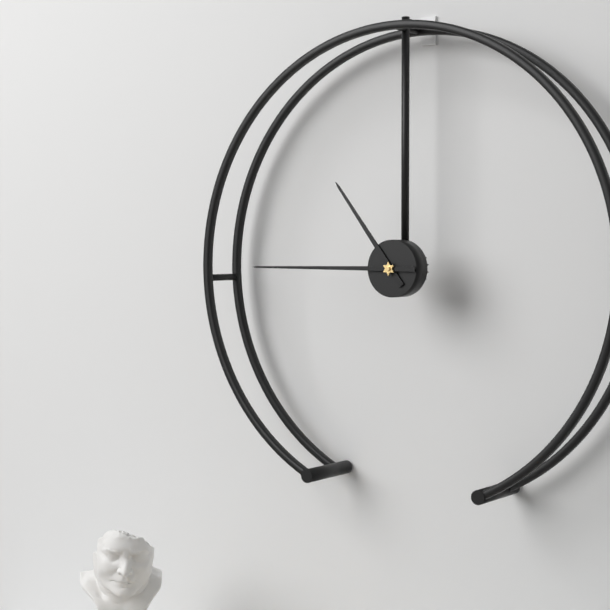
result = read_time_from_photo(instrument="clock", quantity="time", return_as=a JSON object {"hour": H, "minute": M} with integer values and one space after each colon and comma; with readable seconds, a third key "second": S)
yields {"hour": 10, "minute": 45}
